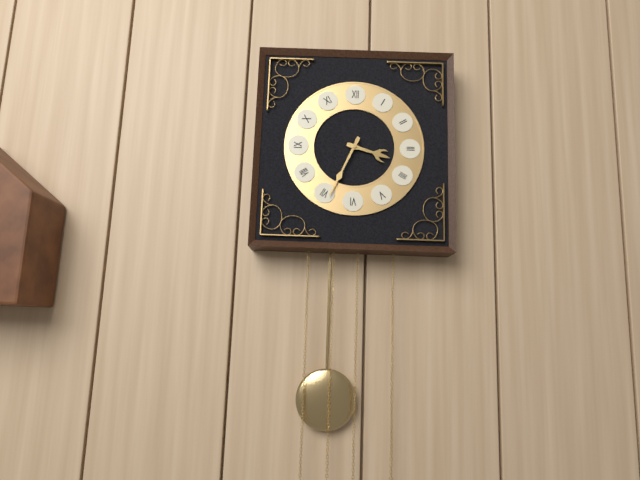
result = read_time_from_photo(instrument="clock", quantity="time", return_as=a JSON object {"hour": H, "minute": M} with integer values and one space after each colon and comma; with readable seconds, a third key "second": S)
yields {"hour": 3, "minute": 34}
